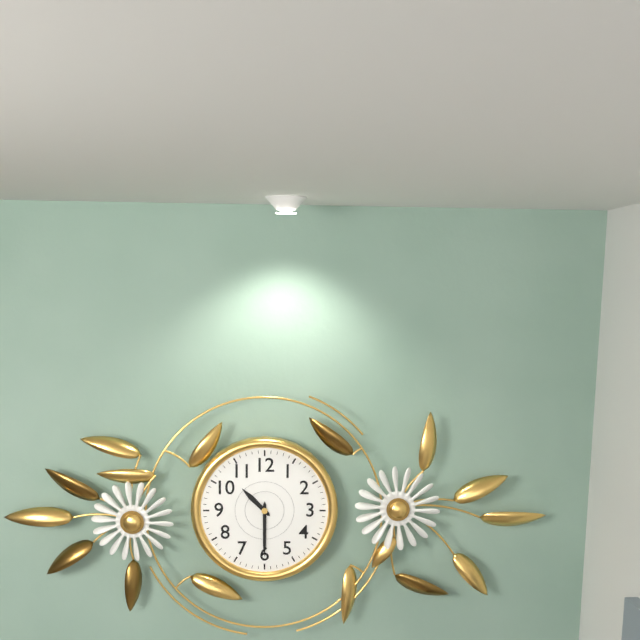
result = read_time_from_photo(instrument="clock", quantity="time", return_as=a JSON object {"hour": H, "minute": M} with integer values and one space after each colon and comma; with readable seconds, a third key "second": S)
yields {"hour": 10, "minute": 30}
